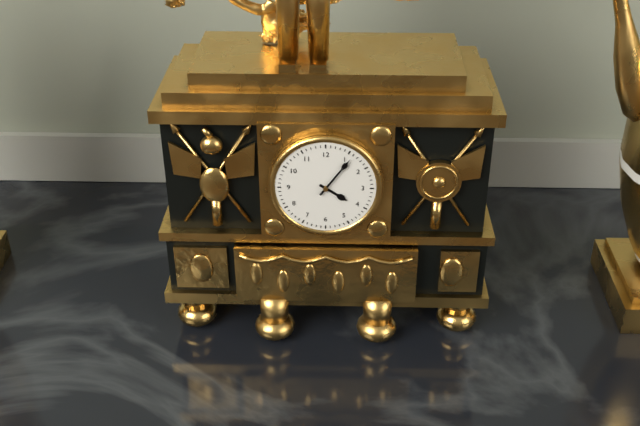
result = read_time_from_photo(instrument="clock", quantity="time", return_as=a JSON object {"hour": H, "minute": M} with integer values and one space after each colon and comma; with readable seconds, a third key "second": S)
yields {"hour": 4, "minute": 6}
